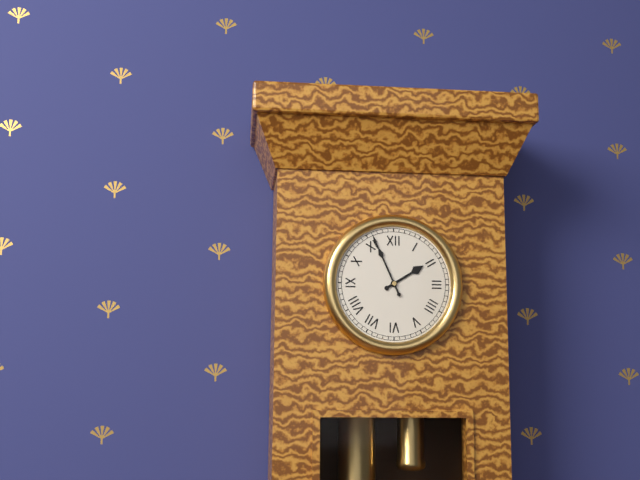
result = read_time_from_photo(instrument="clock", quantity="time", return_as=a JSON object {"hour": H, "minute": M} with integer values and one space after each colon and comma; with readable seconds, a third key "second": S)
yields {"hour": 1, "minute": 56}
